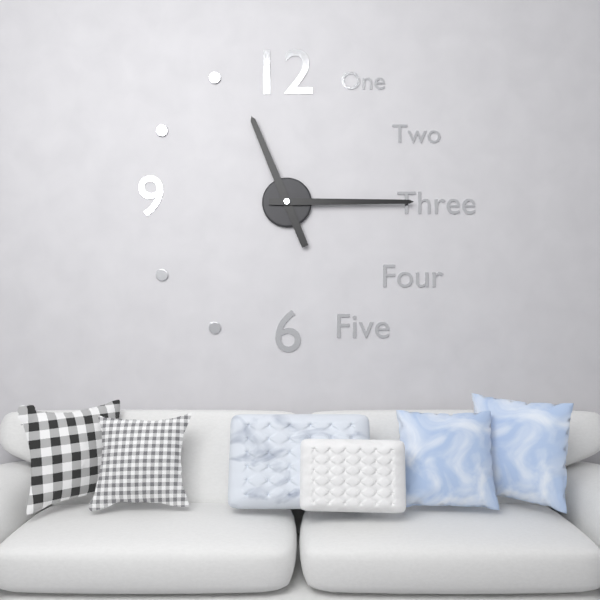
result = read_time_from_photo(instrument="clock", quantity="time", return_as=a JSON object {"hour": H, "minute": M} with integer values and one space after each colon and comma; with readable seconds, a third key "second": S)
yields {"hour": 11, "minute": 15}
